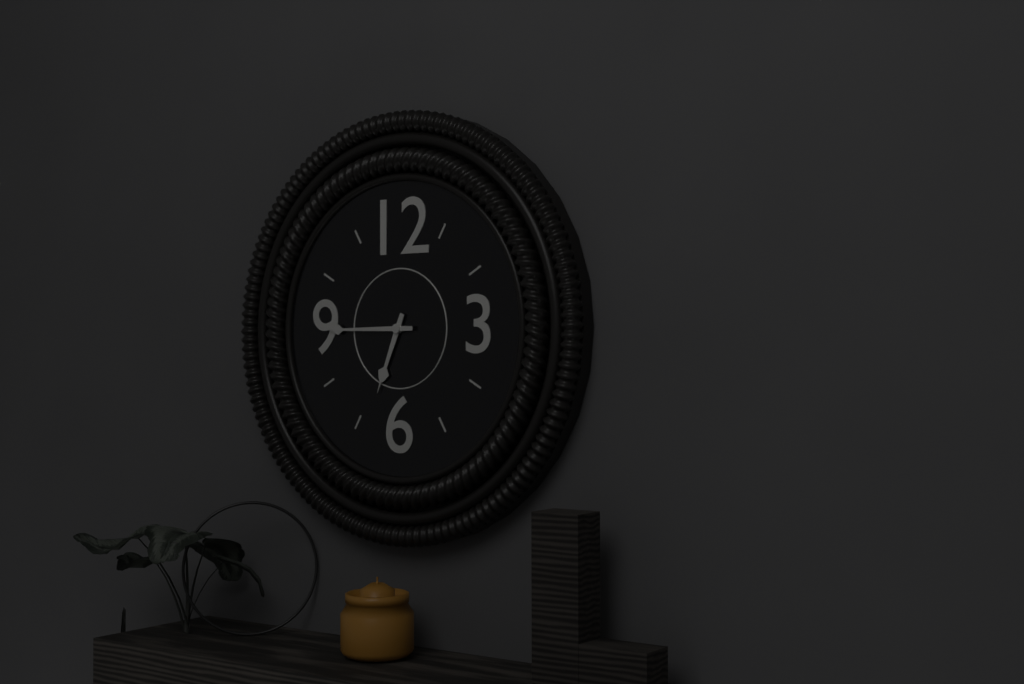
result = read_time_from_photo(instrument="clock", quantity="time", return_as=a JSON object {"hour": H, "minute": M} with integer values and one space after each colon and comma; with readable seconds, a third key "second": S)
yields {"hour": 6, "minute": 45}
